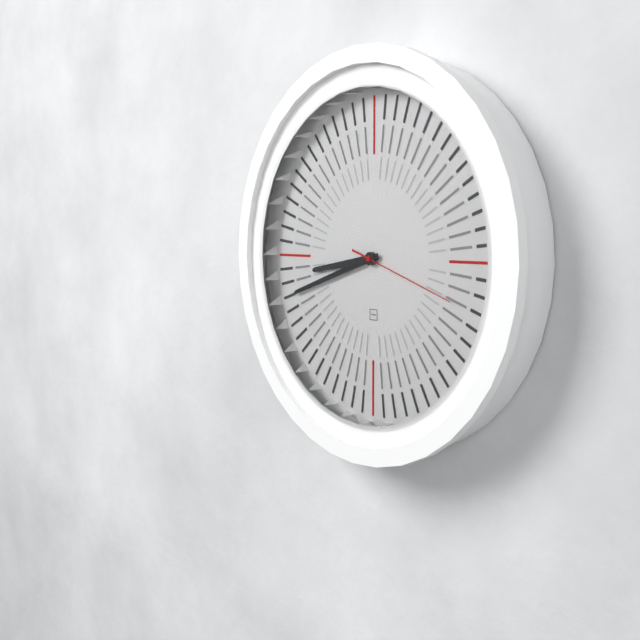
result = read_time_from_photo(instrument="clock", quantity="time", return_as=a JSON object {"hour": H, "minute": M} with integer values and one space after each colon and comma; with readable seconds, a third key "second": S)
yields {"hour": 8, "minute": 42, "second": 18}
